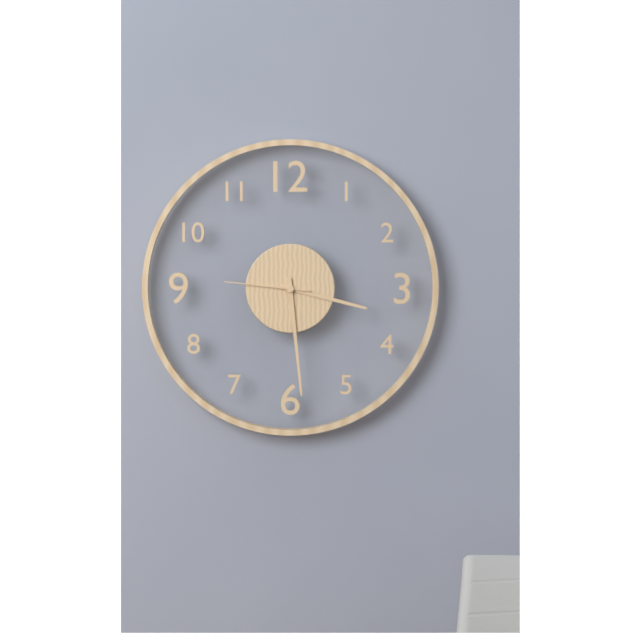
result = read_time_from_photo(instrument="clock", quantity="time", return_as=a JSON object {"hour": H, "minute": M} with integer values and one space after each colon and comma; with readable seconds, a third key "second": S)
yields {"hour": 3, "minute": 29, "second": 46}
